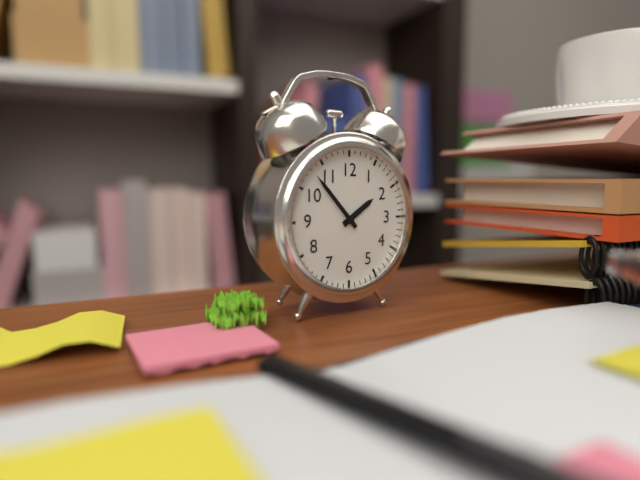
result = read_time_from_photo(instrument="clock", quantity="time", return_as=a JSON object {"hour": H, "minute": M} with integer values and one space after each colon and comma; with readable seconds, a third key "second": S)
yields {"hour": 1, "minute": 53}
